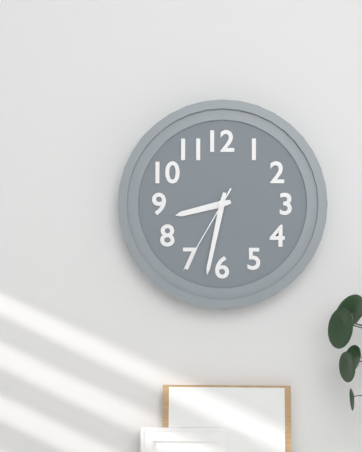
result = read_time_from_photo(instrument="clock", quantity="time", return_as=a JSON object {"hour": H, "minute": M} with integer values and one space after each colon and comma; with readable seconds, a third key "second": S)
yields {"hour": 8, "minute": 32, "second": 35}
